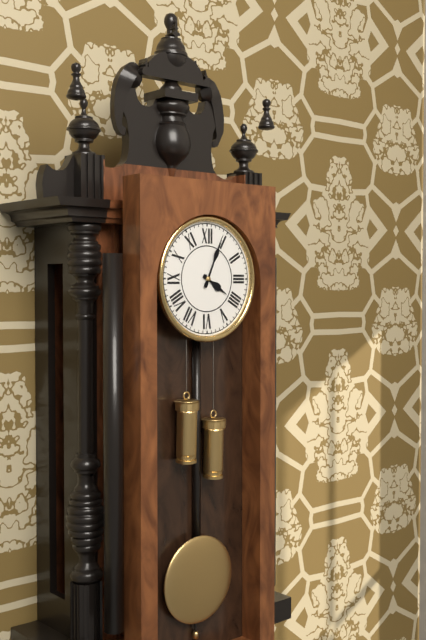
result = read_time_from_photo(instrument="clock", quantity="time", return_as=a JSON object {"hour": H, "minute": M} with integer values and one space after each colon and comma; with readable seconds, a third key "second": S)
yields {"hour": 4, "minute": 4}
